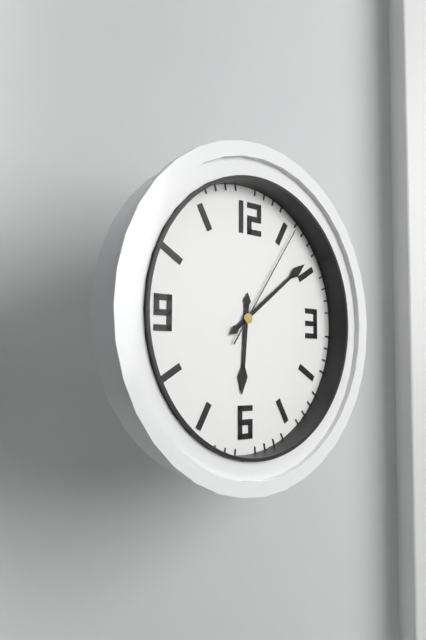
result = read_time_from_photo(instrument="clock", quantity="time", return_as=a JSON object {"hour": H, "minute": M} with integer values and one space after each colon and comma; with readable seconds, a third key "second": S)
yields {"hour": 6, "minute": 9, "second": 6}
